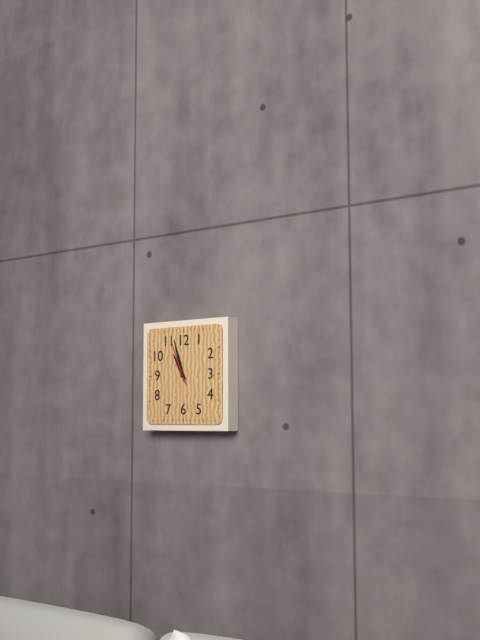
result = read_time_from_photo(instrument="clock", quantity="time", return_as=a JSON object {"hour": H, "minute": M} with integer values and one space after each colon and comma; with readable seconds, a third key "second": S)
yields {"hour": 10, "minute": 57}
